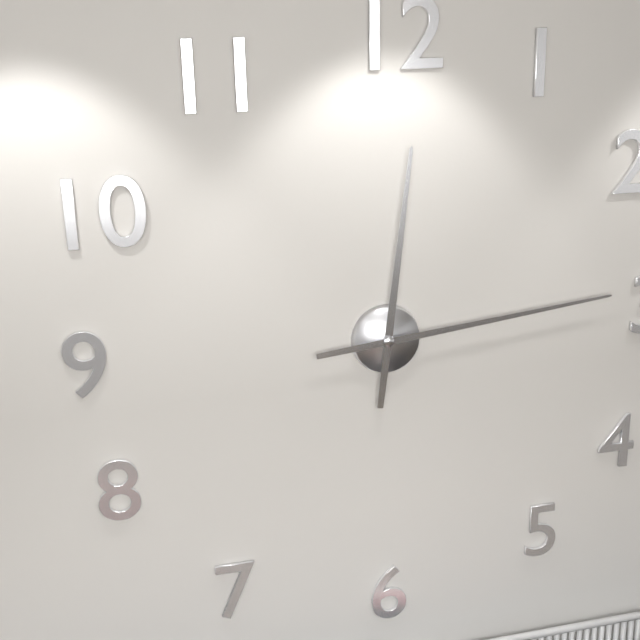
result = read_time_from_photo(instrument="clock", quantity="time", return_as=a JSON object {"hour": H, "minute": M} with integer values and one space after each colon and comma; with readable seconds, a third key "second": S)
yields {"hour": 12, "minute": 14}
